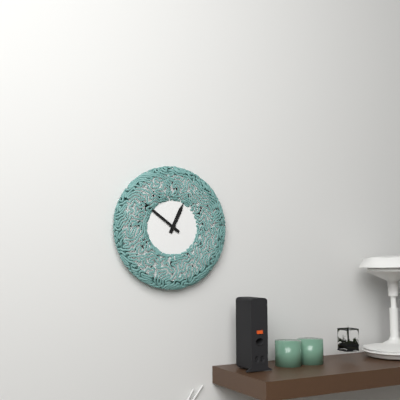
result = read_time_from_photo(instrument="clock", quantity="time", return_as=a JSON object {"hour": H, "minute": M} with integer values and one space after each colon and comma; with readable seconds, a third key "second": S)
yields {"hour": 12, "minute": 51}
